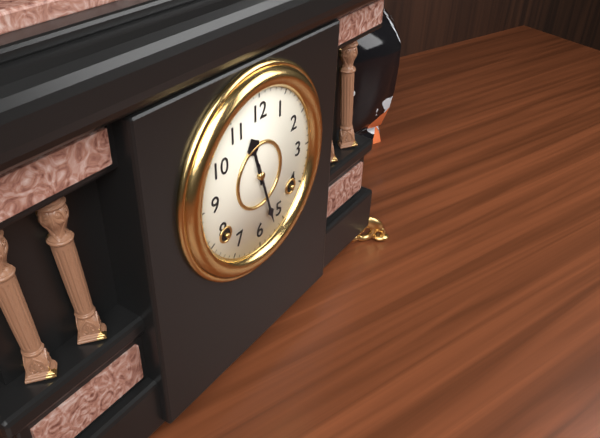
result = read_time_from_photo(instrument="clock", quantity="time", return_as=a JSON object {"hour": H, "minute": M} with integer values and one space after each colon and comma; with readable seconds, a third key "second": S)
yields {"hour": 11, "minute": 27}
